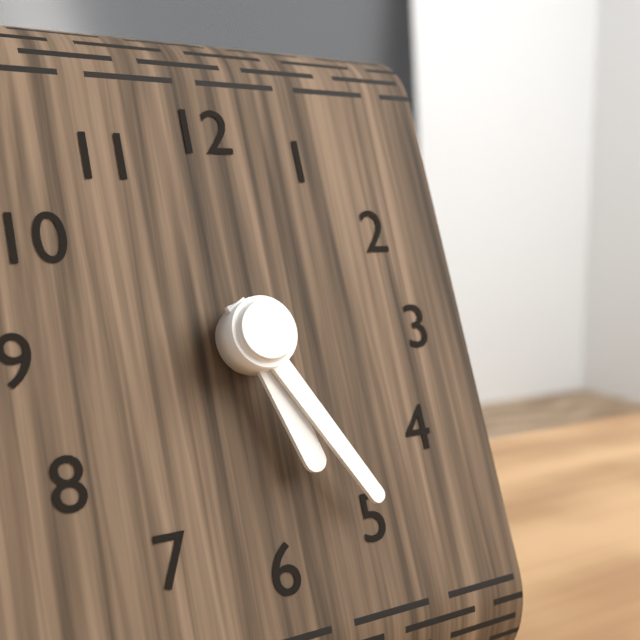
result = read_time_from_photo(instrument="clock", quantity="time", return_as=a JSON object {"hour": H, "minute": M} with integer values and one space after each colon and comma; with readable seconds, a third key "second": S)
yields {"hour": 5, "minute": 25}
